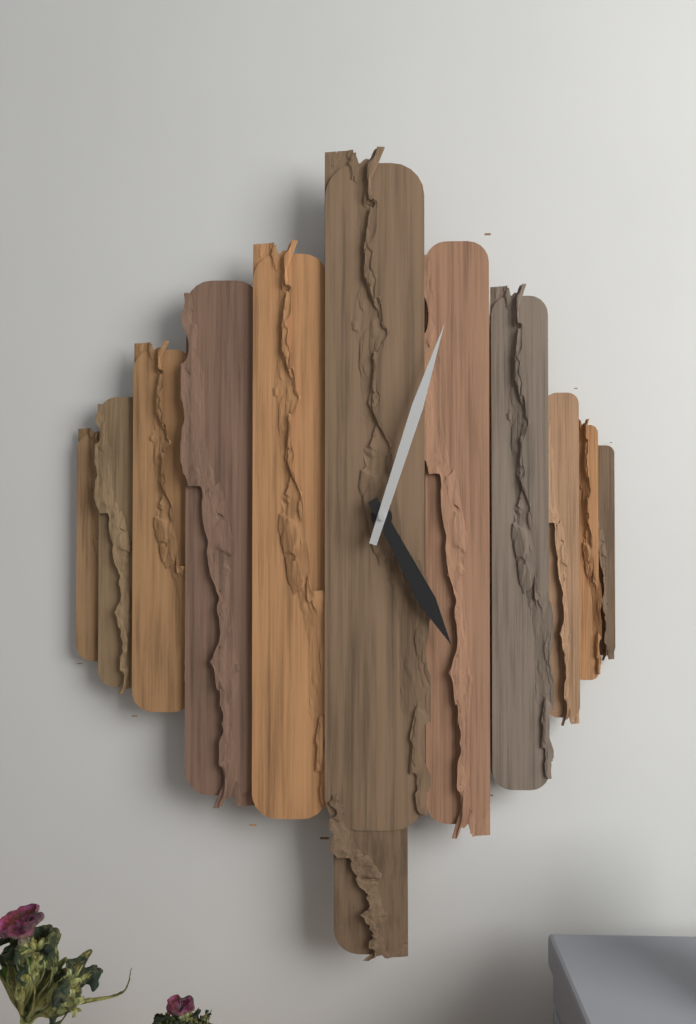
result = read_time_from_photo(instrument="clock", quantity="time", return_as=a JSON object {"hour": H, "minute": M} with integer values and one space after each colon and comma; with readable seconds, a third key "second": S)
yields {"hour": 5, "minute": 3}
